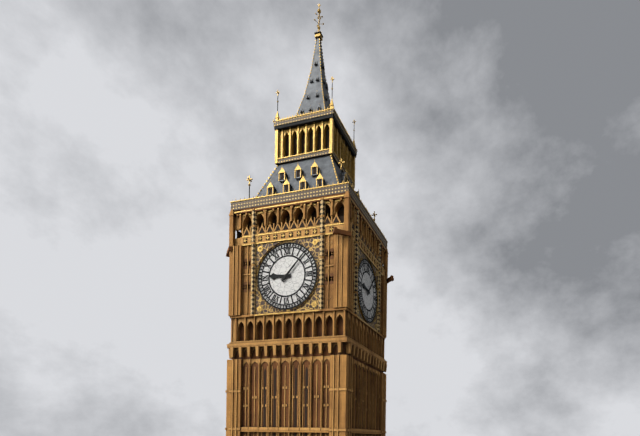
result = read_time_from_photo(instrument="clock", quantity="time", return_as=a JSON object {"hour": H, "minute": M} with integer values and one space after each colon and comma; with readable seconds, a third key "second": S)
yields {"hour": 9, "minute": 7}
